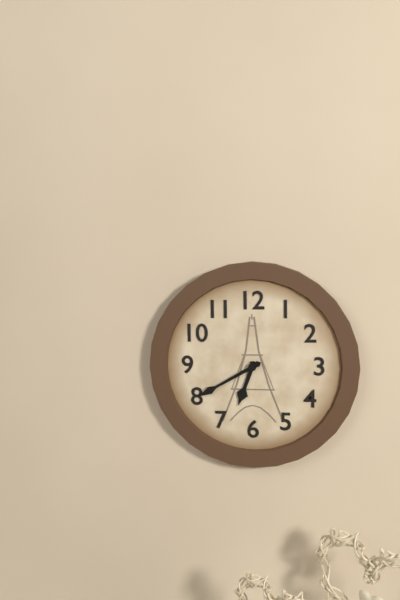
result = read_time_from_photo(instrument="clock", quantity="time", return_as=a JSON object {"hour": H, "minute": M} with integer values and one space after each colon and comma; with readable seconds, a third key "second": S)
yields {"hour": 6, "minute": 40}
